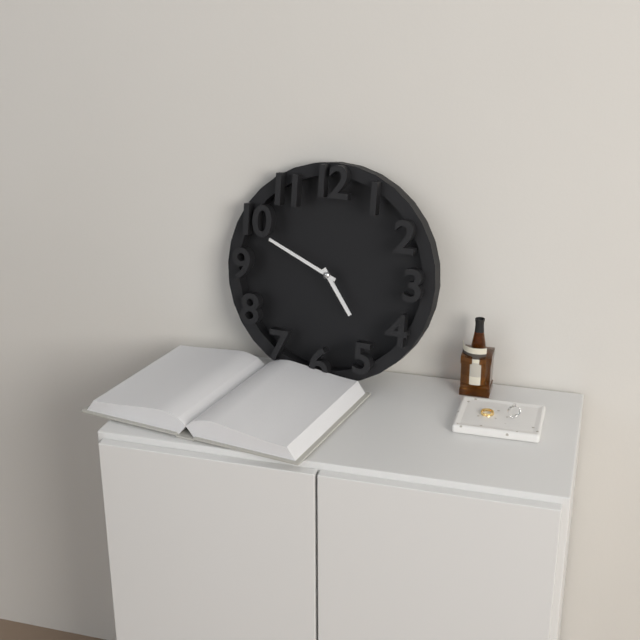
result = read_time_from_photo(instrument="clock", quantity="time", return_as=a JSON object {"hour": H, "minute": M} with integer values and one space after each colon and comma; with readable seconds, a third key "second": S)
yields {"hour": 4, "minute": 49}
